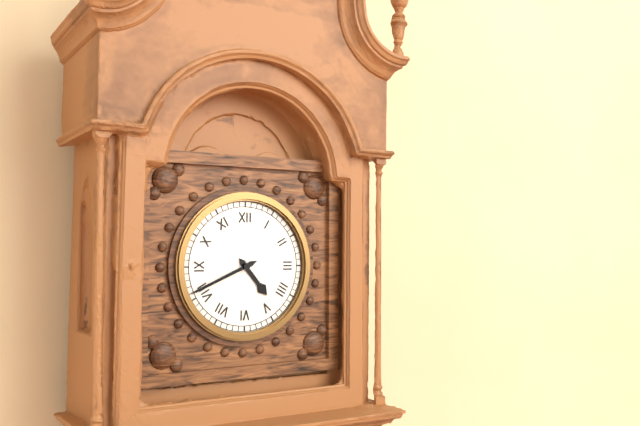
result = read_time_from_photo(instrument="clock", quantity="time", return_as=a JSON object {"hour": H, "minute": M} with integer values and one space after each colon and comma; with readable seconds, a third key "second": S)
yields {"hour": 4, "minute": 41}
